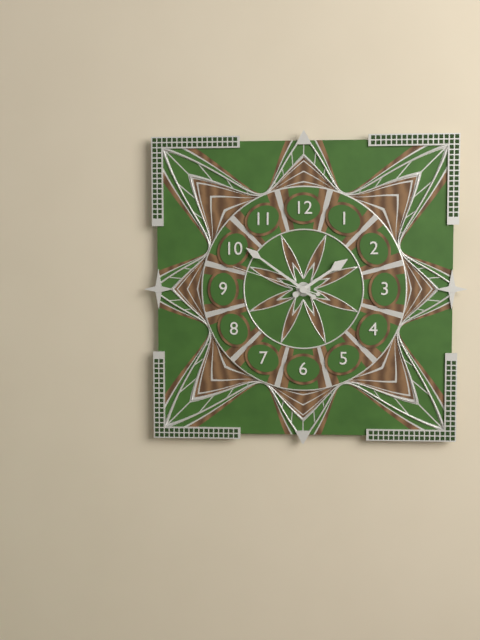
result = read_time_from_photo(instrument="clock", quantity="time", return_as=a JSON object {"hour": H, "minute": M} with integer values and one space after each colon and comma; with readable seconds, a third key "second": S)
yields {"hour": 1, "minute": 51, "second": 48}
